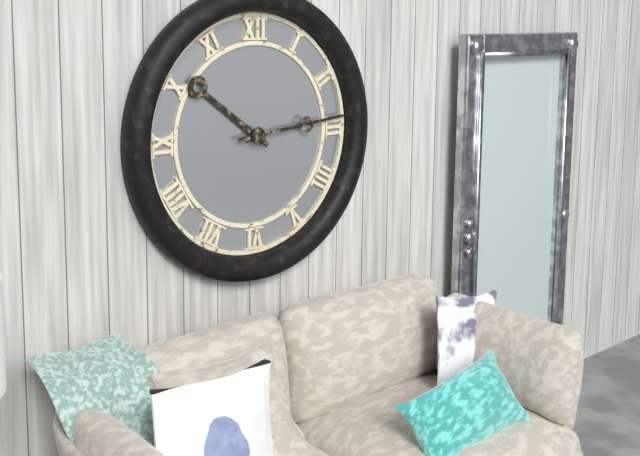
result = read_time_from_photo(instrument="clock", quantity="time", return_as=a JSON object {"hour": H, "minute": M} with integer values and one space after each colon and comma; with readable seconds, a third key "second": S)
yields {"hour": 10, "minute": 14}
